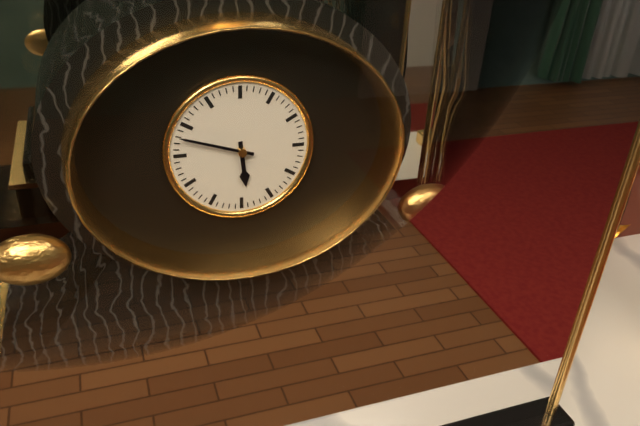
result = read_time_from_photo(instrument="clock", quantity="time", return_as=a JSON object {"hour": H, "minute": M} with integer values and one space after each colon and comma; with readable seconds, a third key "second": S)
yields {"hour": 5, "minute": 48}
